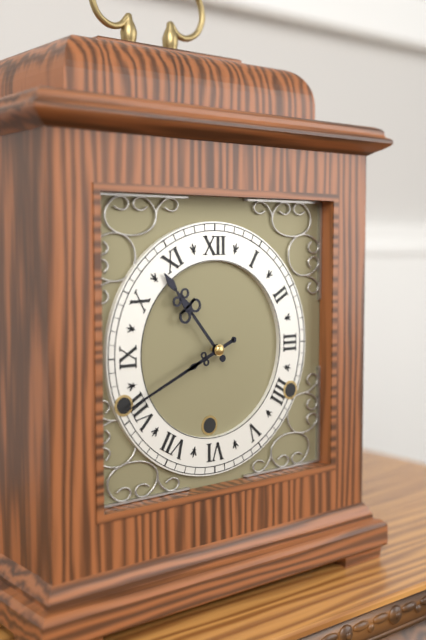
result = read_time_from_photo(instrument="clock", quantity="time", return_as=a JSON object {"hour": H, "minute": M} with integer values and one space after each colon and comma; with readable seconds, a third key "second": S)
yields {"hour": 10, "minute": 41}
